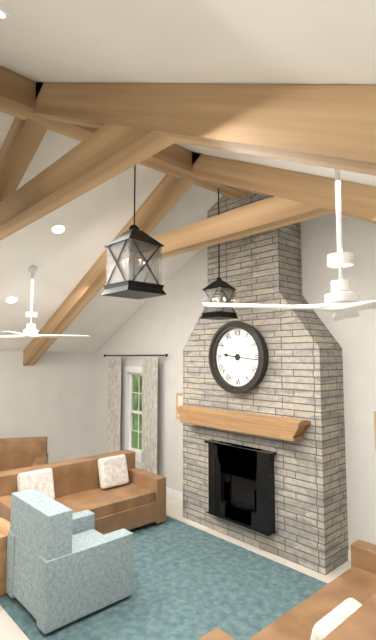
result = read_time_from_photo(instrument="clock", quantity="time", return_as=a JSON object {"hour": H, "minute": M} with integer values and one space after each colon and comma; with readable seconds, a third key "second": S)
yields {"hour": 9, "minute": 16}
